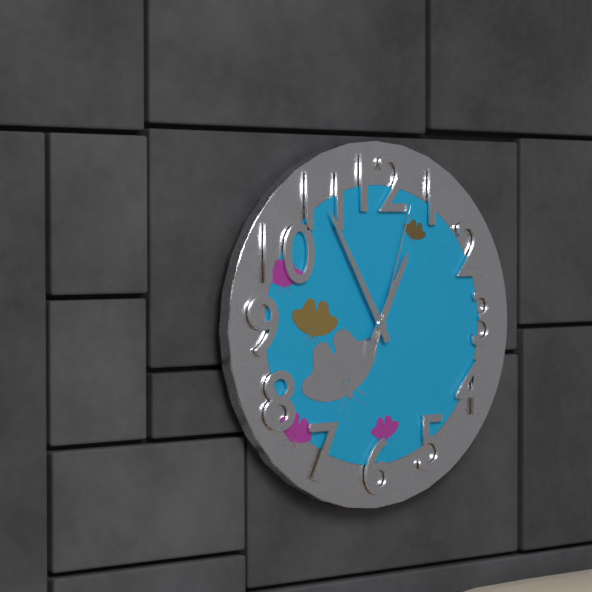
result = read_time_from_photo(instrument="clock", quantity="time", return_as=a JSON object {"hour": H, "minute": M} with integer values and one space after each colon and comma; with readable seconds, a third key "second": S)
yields {"hour": 12, "minute": 55, "second": 3}
